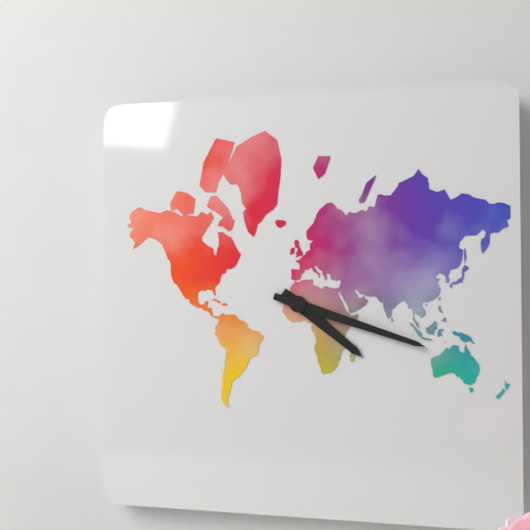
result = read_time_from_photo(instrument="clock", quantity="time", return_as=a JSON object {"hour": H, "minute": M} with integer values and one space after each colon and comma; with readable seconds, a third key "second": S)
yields {"hour": 4, "minute": 18}
